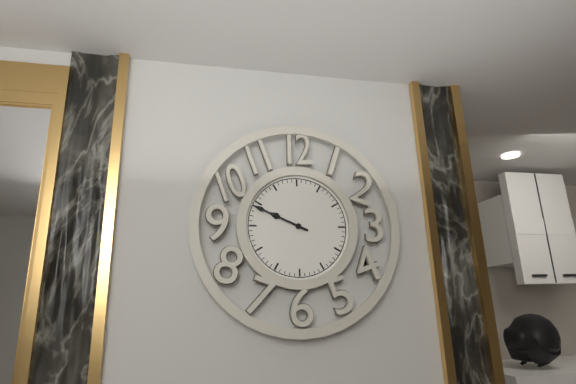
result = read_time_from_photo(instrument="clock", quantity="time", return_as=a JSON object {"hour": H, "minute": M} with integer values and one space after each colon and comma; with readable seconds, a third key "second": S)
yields {"hour": 9, "minute": 49}
